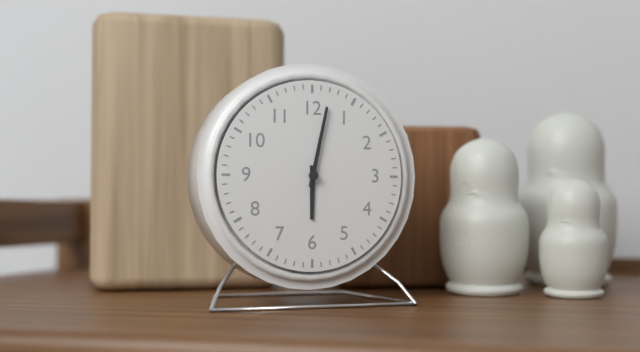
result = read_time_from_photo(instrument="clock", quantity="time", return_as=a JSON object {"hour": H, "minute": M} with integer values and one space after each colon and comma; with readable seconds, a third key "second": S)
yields {"hour": 6, "minute": 2}
